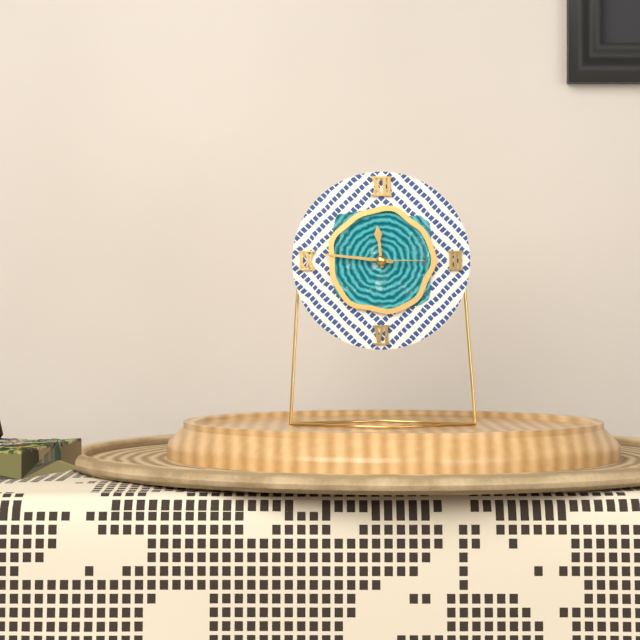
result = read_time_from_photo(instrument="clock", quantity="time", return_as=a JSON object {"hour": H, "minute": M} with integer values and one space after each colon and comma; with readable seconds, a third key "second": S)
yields {"hour": 11, "minute": 46, "second": 15}
